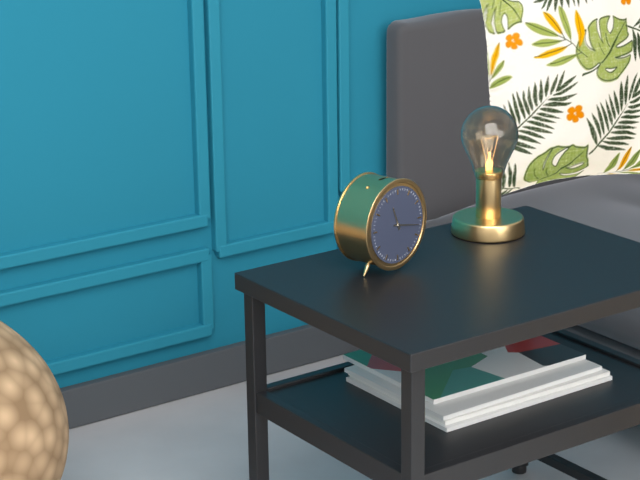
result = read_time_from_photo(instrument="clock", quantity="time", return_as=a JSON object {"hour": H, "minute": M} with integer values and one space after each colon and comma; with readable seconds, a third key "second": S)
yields {"hour": 11, "minute": 17}
